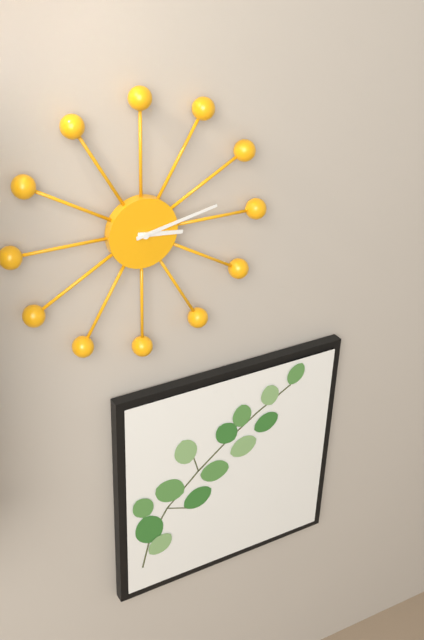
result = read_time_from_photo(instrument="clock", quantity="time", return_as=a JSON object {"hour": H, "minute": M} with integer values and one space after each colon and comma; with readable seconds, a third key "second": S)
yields {"hour": 3, "minute": 13}
